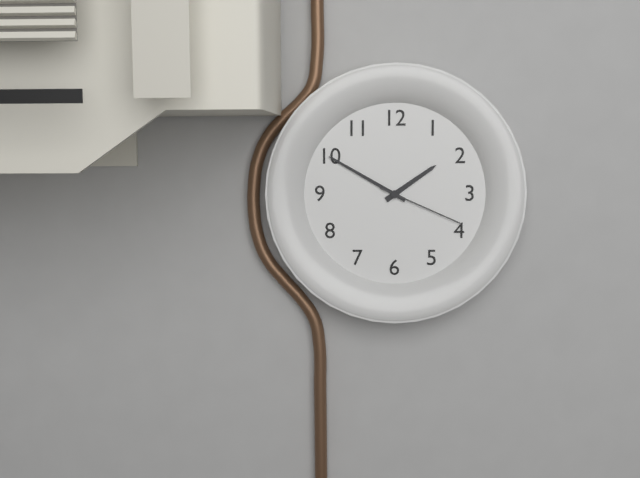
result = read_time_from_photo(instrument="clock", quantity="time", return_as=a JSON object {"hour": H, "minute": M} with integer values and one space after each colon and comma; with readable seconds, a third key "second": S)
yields {"hour": 1, "minute": 50, "second": 19}
